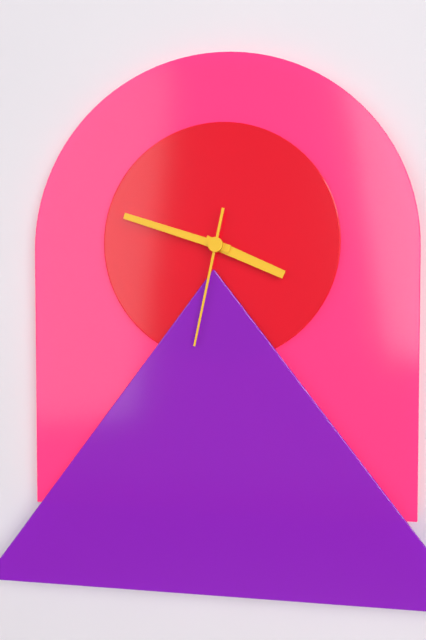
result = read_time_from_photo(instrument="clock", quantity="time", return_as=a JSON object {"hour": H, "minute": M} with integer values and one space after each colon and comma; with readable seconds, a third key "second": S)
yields {"hour": 3, "minute": 48, "second": 32}
